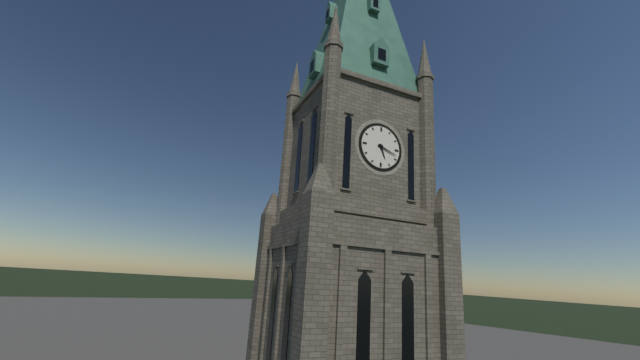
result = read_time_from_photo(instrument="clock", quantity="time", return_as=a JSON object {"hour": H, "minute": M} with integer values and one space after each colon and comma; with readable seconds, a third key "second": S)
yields {"hour": 5, "minute": 18}
